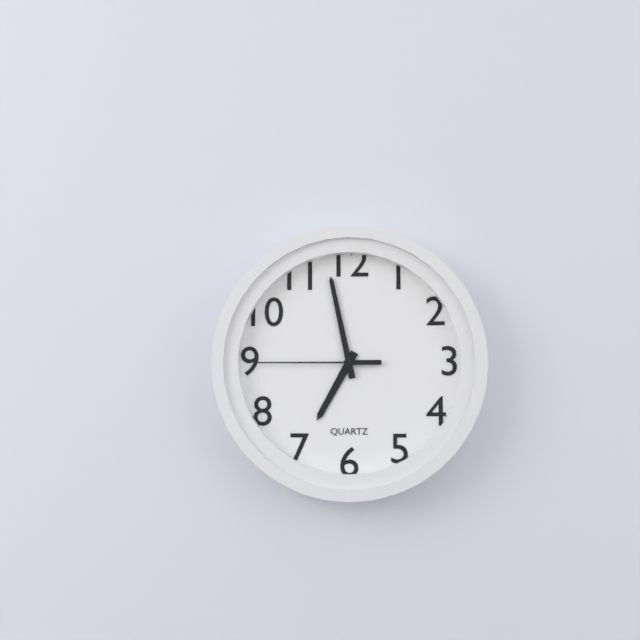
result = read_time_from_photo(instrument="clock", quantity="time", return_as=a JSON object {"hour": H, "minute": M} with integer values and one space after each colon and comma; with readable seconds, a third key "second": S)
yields {"hour": 6, "minute": 58, "second": 45}
